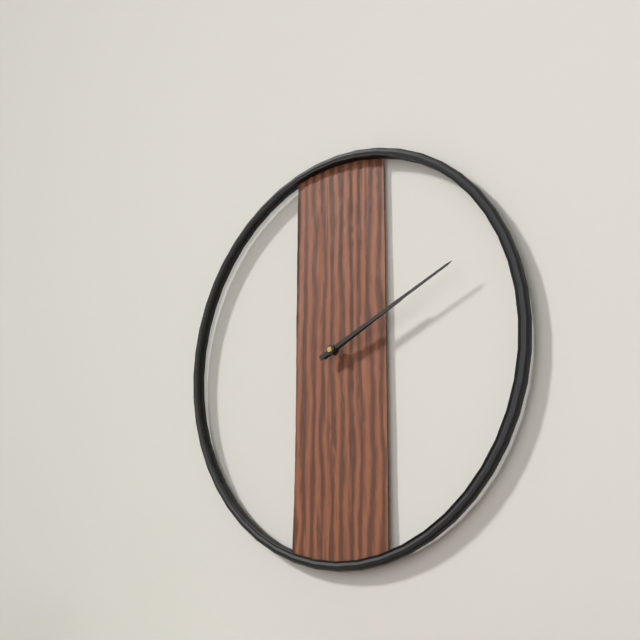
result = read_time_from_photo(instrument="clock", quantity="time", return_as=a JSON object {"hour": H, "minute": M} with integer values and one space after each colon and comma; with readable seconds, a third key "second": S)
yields {"hour": 2, "minute": 11}
